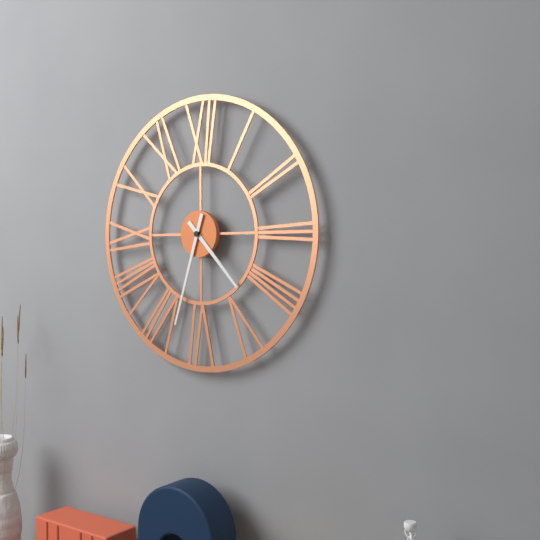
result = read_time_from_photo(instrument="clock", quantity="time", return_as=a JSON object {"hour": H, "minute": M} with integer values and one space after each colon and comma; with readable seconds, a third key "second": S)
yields {"hour": 4, "minute": 33}
